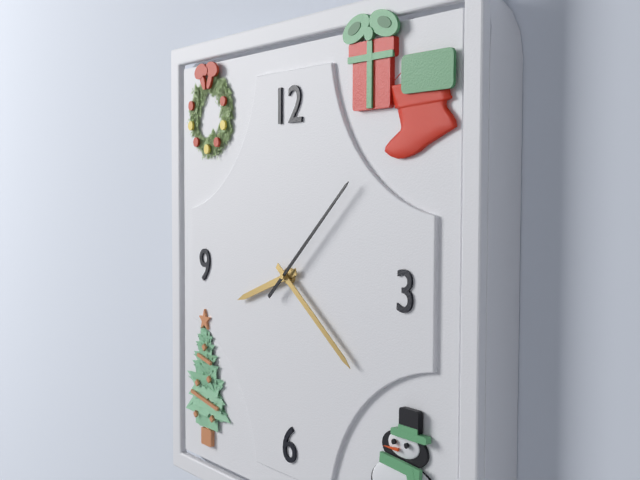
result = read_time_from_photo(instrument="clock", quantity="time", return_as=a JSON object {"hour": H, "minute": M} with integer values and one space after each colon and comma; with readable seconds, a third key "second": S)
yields {"hour": 8, "minute": 21, "second": 8}
